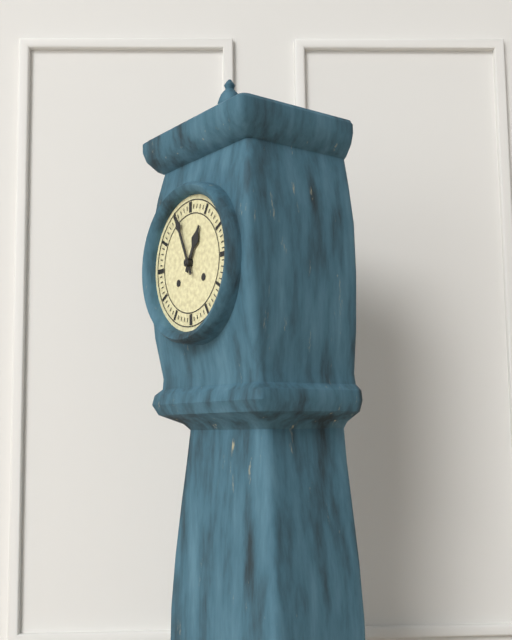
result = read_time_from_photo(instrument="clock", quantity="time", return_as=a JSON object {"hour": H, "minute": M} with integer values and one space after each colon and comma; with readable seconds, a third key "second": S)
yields {"hour": 12, "minute": 56}
